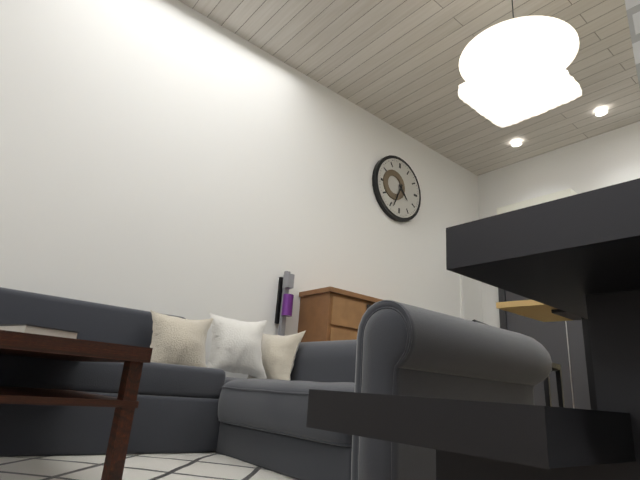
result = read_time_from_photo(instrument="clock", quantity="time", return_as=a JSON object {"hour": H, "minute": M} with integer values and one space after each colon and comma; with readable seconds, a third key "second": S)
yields {"hour": 4, "minute": 34}
